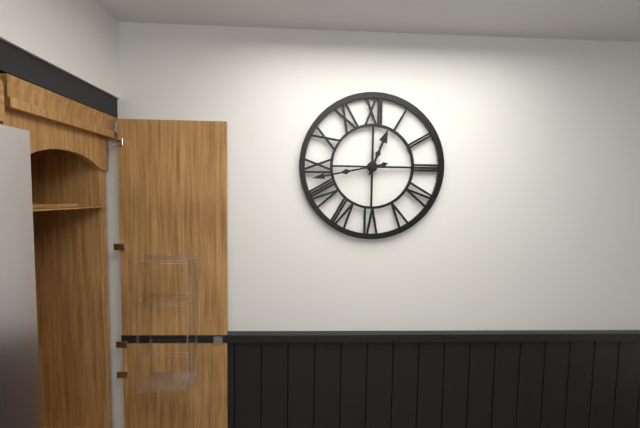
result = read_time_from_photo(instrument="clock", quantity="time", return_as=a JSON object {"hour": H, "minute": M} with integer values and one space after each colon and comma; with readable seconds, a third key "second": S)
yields {"hour": 12, "minute": 43}
